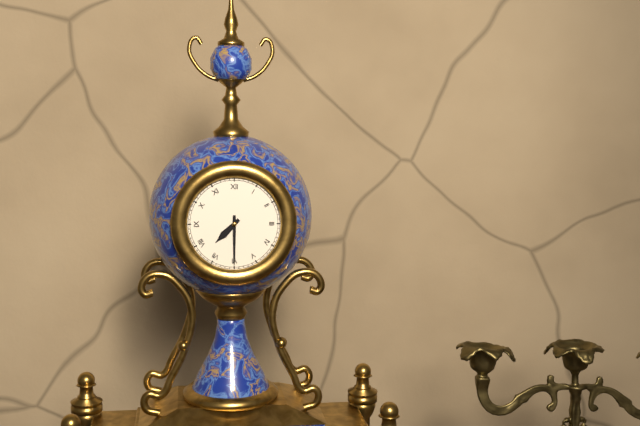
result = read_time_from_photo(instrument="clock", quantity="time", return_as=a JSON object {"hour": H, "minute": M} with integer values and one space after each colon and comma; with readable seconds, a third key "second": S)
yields {"hour": 7, "minute": 30}
